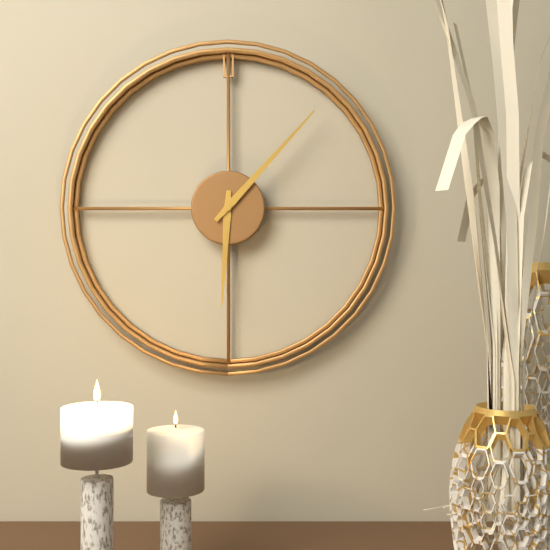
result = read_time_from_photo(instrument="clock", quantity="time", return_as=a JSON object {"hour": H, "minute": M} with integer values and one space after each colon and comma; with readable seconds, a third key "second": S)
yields {"hour": 6, "minute": 7}
